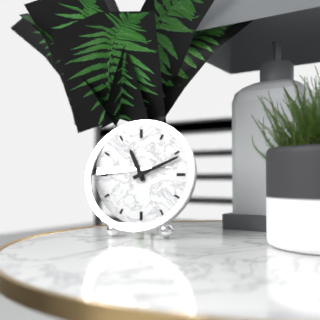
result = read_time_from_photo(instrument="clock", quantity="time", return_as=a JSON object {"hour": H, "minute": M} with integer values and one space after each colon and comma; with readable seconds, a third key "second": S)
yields {"hour": 11, "minute": 11}
